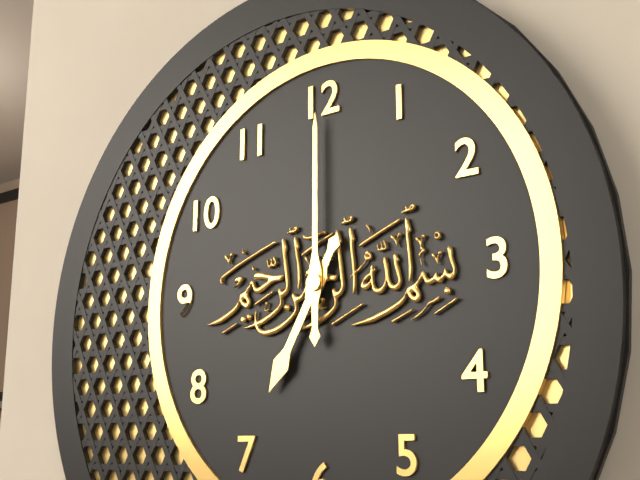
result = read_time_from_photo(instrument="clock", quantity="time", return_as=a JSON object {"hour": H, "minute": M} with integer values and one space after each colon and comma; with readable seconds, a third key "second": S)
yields {"hour": 7, "minute": 0}
